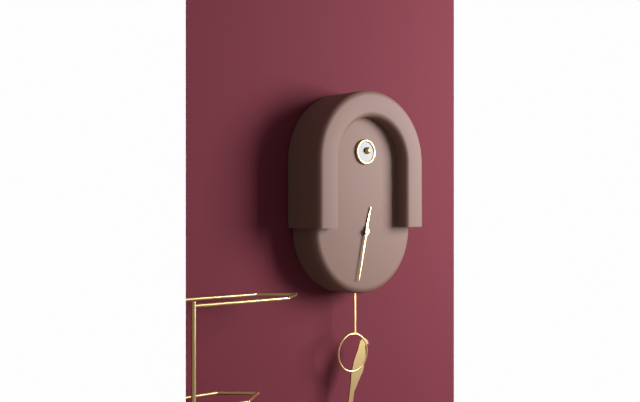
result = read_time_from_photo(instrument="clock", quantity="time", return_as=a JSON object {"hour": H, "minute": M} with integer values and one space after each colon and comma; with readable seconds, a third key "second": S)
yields {"hour": 12, "minute": 32}
